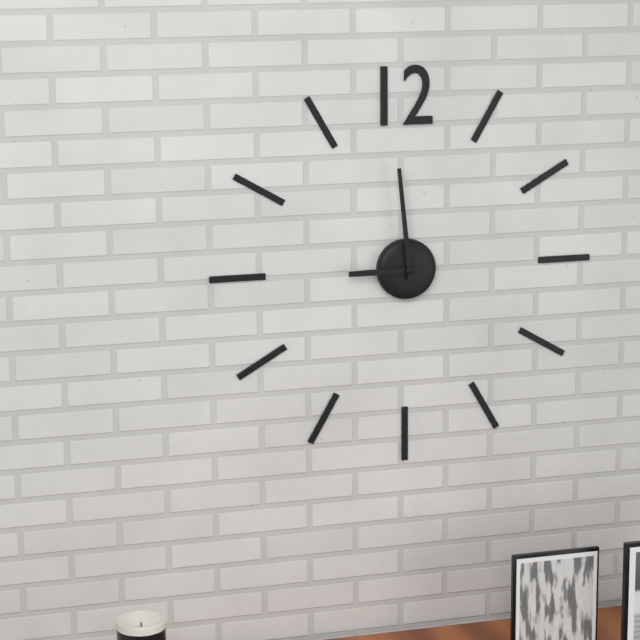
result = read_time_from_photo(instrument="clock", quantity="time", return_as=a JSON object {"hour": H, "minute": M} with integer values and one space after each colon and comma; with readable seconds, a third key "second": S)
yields {"hour": 8, "minute": 59}
